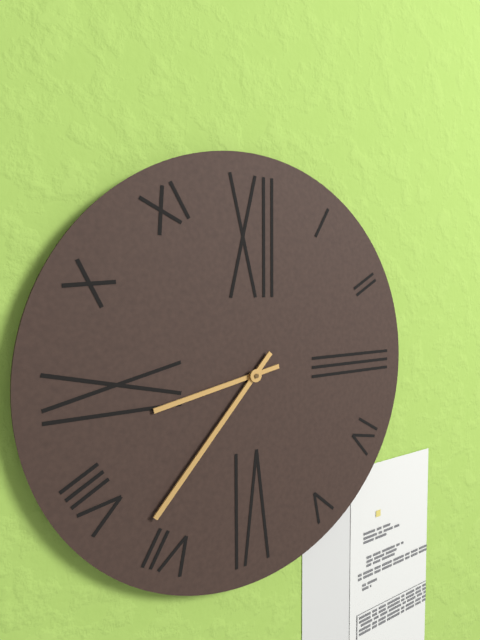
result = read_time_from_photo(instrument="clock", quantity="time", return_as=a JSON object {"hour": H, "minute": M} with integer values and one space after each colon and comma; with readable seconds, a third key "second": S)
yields {"hour": 8, "minute": 37}
